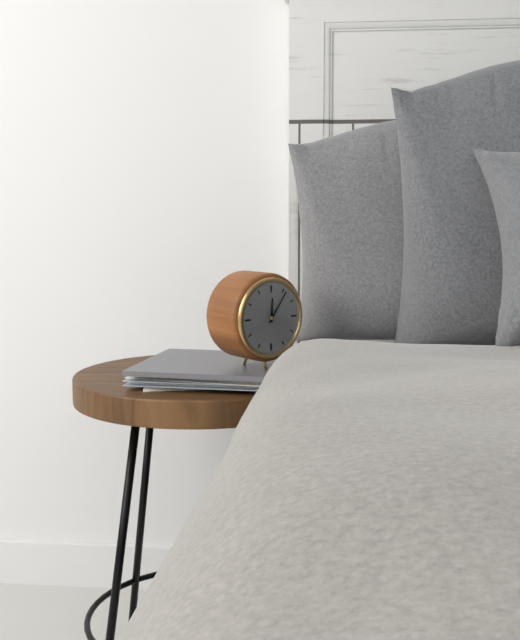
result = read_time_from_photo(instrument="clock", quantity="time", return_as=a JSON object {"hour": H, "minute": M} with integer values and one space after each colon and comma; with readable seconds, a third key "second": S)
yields {"hour": 12, "minute": 6}
